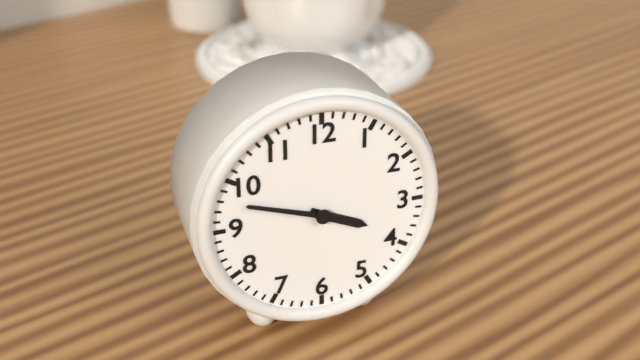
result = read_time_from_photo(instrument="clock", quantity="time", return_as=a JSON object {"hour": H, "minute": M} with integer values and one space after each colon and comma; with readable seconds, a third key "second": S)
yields {"hour": 3, "minute": 48}
